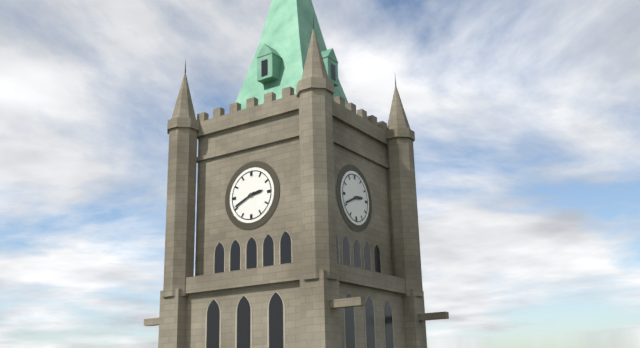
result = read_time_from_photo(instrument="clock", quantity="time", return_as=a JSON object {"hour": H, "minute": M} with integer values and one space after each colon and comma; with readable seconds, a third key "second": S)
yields {"hour": 2, "minute": 41}
